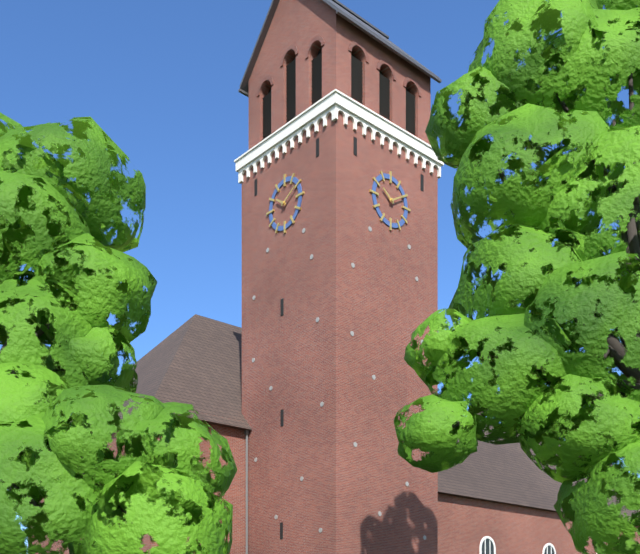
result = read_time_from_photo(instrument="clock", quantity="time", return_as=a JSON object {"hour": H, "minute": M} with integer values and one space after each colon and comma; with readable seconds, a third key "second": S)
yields {"hour": 10, "minute": 10}
